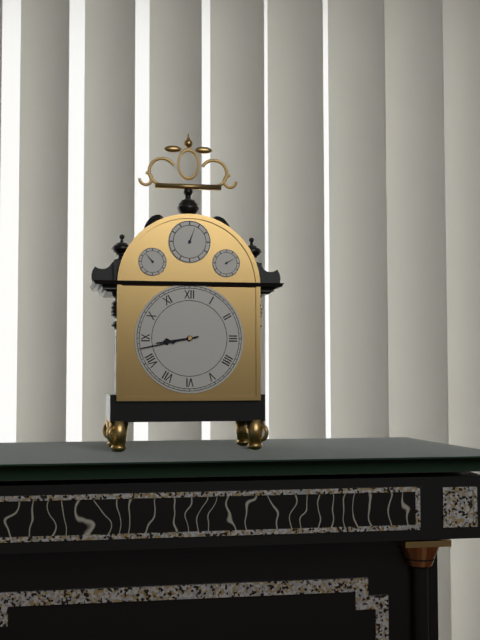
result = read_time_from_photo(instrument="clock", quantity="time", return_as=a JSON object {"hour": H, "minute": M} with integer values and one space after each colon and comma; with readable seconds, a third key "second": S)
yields {"hour": 8, "minute": 43}
